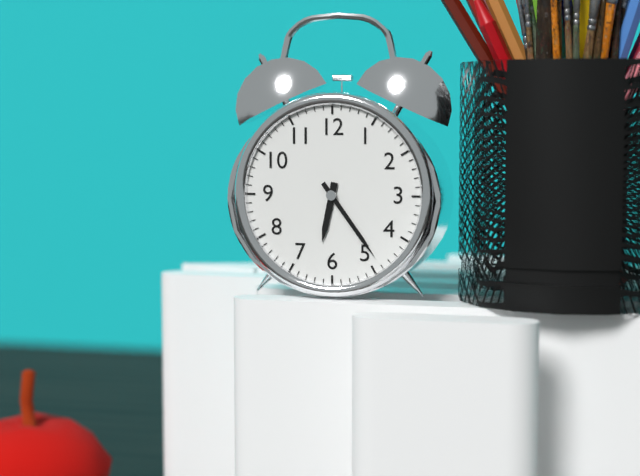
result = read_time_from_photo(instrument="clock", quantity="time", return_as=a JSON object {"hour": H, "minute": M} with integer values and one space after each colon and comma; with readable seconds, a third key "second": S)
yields {"hour": 6, "minute": 24}
